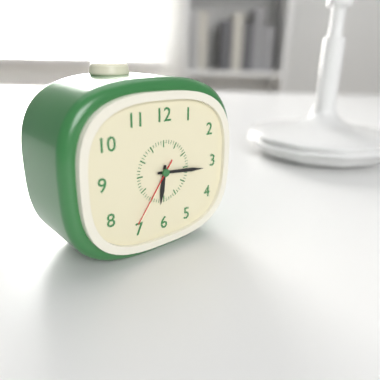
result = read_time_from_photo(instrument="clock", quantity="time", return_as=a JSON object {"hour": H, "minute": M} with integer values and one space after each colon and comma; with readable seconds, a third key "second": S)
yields {"hour": 6, "minute": 16, "second": 36}
